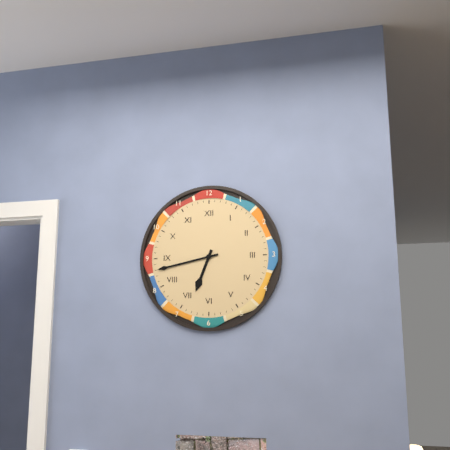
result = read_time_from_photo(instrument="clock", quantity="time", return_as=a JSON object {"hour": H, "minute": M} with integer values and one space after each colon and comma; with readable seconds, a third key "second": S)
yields {"hour": 6, "minute": 43}
